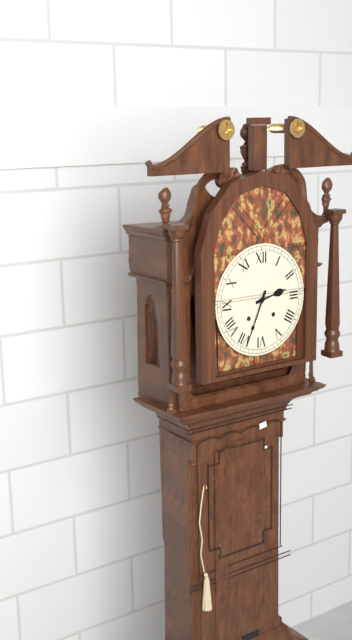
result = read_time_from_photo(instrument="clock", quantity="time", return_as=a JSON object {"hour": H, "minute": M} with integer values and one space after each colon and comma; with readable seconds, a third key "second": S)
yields {"hour": 2, "minute": 34}
